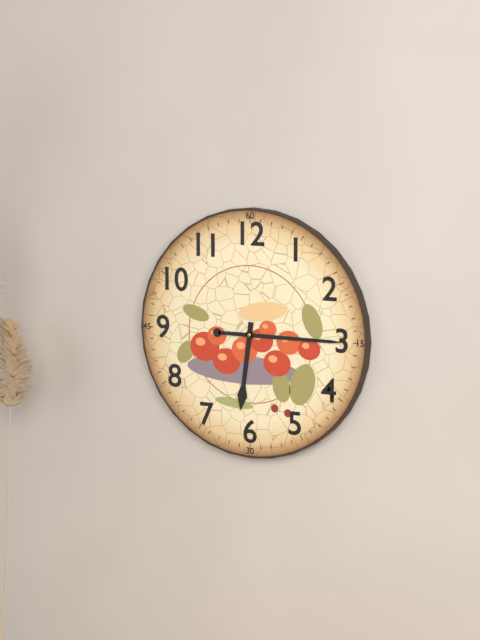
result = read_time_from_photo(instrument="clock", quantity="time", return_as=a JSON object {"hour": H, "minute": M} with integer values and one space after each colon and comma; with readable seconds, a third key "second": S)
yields {"hour": 6, "minute": 15}
